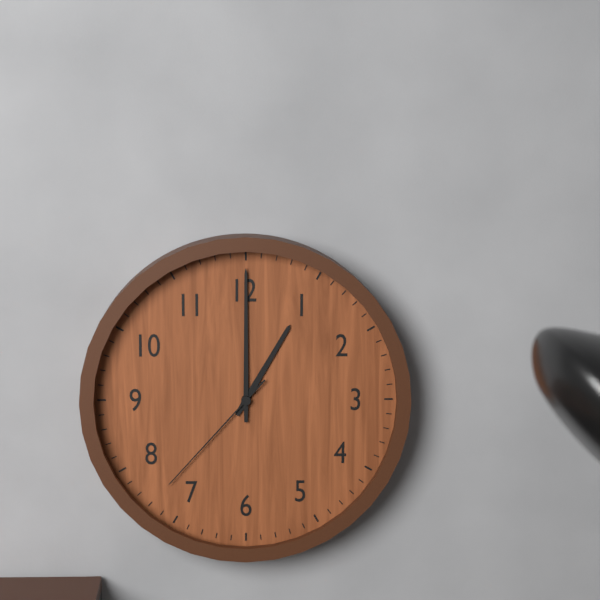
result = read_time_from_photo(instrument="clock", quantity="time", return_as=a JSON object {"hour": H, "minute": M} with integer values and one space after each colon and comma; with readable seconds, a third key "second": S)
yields {"hour": 1, "minute": 0, "second": 37}
